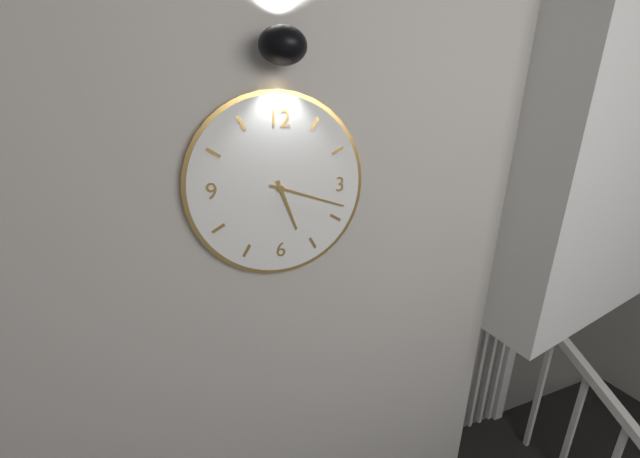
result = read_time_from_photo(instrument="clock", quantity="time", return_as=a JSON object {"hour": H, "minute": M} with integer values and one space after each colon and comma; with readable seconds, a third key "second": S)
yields {"hour": 5, "minute": 18}
